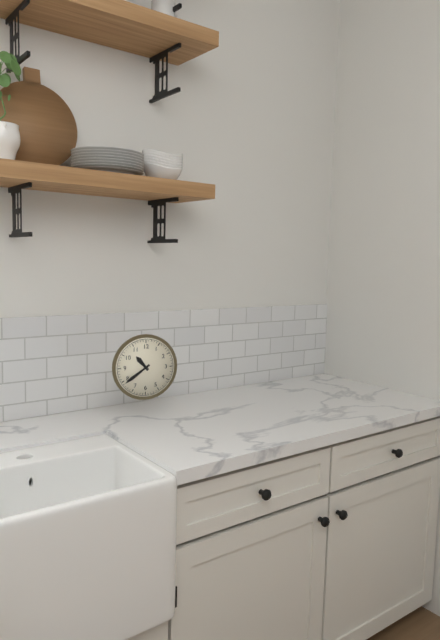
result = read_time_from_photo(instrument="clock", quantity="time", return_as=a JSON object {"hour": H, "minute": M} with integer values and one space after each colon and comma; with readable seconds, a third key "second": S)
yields {"hour": 10, "minute": 39}
